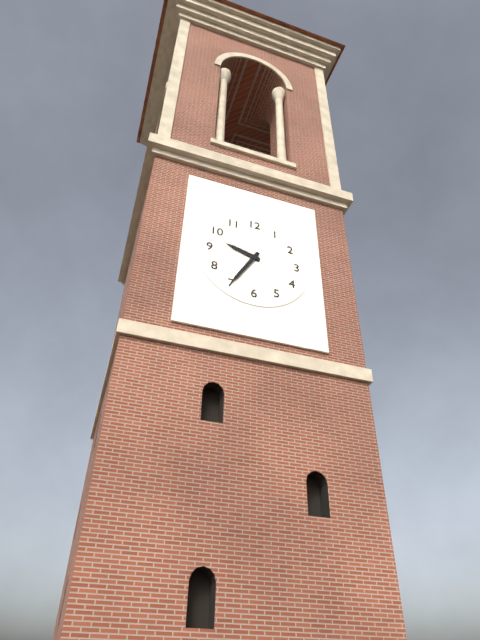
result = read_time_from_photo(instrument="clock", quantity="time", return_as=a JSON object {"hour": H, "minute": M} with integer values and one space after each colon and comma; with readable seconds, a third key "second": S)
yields {"hour": 9, "minute": 35}
